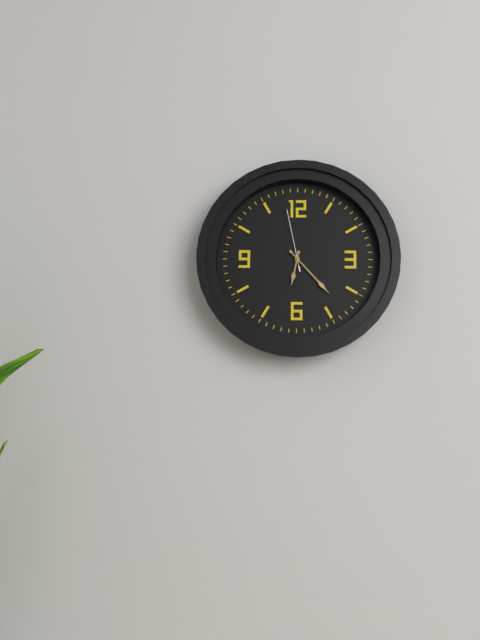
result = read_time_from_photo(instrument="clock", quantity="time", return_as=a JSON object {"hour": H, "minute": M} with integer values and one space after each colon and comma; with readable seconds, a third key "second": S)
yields {"hour": 6, "minute": 23, "second": 58}
